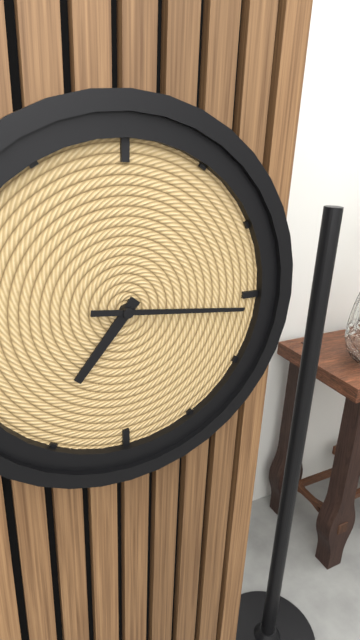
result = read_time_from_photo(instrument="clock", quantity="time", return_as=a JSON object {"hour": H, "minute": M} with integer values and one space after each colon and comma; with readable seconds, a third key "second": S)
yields {"hour": 7, "minute": 16}
